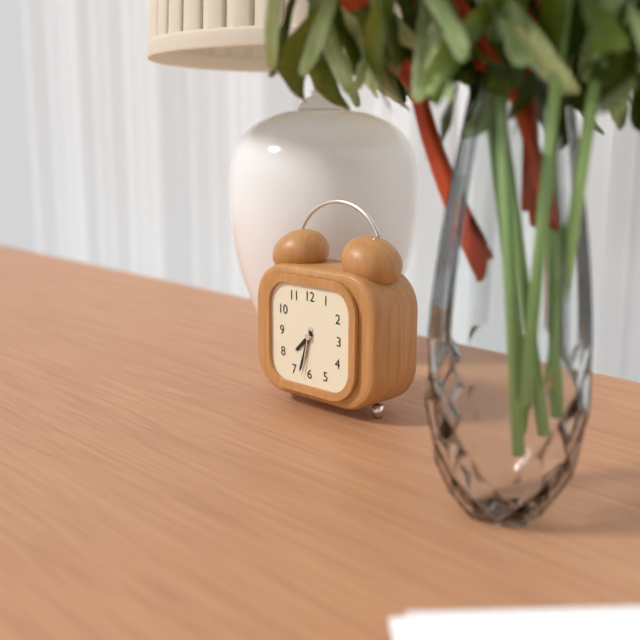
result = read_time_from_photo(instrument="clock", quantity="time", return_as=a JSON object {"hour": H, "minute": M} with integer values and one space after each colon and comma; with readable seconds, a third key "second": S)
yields {"hour": 7, "minute": 33, "second": 32}
